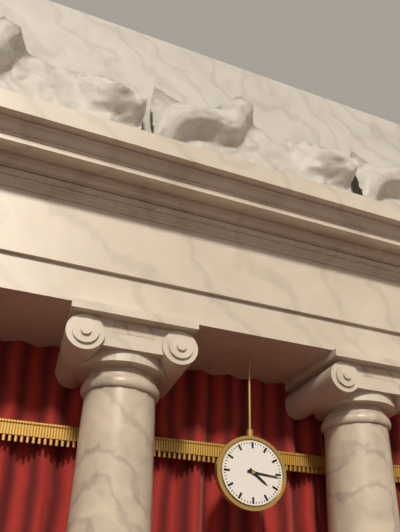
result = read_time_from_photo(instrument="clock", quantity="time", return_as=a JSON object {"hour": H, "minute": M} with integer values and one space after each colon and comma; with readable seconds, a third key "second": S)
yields {"hour": 4, "minute": 16}
